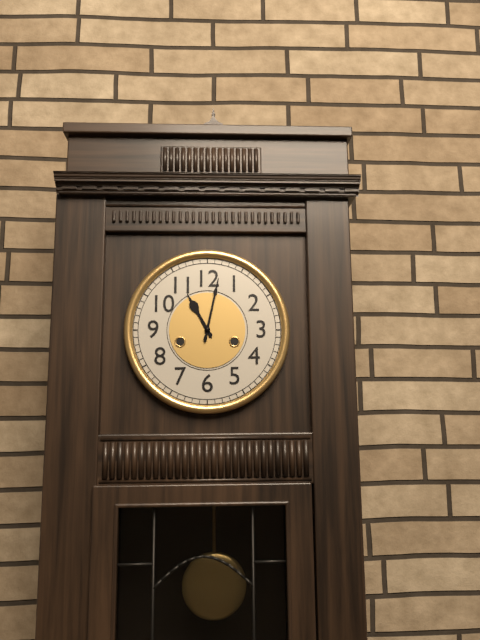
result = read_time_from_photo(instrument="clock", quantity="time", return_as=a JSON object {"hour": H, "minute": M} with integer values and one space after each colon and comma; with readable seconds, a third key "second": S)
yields {"hour": 11, "minute": 2}
